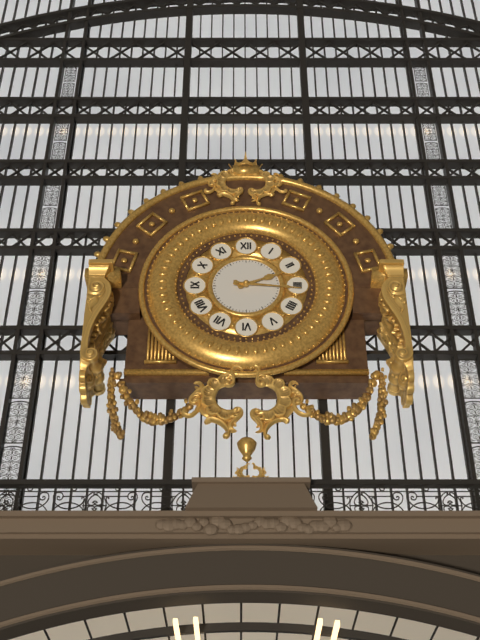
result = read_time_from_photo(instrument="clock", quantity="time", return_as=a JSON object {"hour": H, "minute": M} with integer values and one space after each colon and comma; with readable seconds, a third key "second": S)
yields {"hour": 2, "minute": 16}
